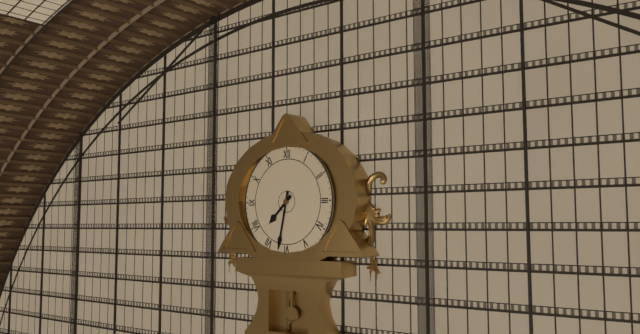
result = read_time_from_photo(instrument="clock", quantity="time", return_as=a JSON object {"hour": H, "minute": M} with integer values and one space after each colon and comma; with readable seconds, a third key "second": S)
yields {"hour": 7, "minute": 32}
